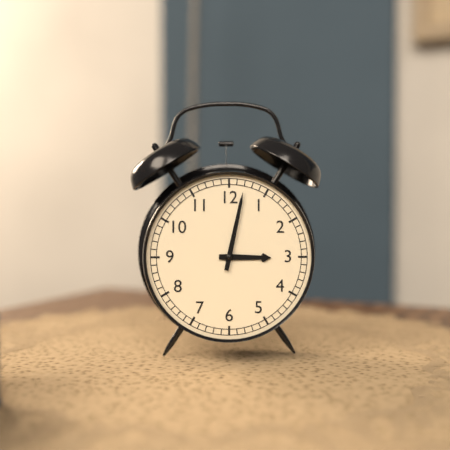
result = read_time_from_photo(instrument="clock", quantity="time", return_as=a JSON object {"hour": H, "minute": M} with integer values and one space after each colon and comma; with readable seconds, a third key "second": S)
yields {"hour": 3, "minute": 2}
